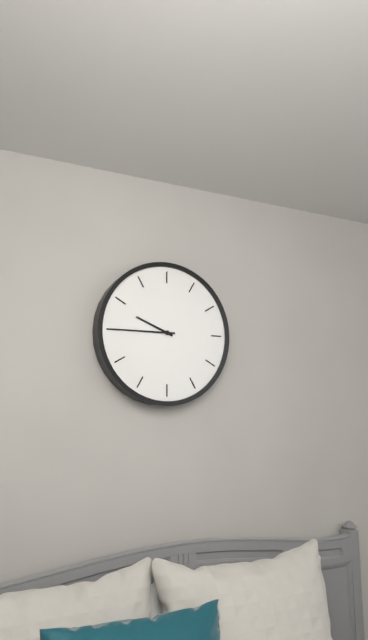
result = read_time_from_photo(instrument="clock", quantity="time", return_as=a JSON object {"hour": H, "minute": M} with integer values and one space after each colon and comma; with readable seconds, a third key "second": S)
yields {"hour": 9, "minute": 45}
